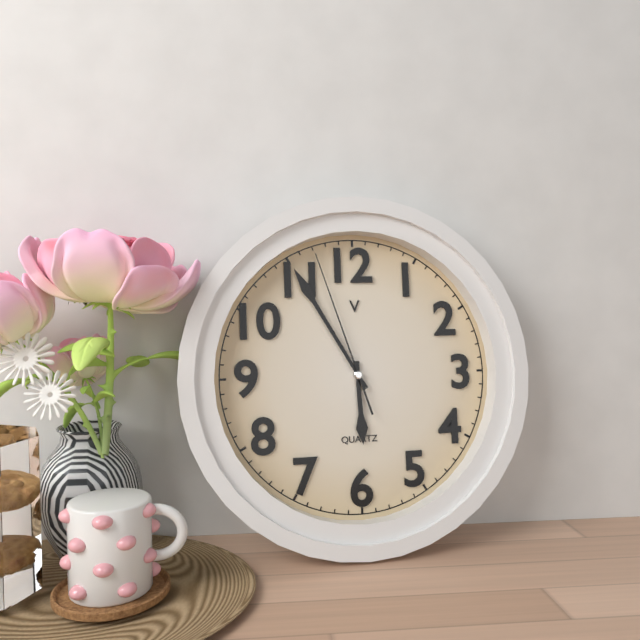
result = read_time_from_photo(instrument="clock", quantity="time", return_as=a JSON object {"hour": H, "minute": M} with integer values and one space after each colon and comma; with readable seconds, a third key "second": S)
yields {"hour": 5, "minute": 55, "second": 57}
